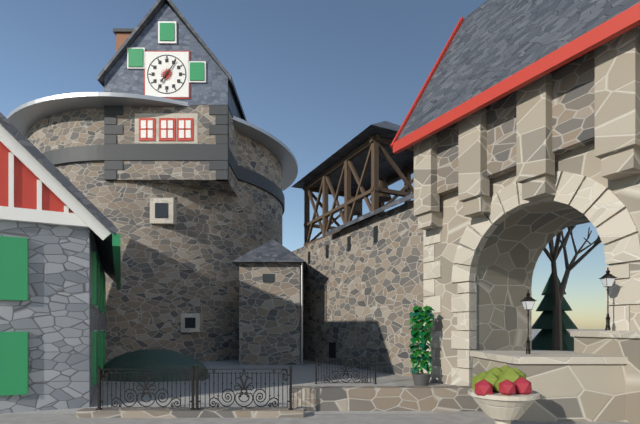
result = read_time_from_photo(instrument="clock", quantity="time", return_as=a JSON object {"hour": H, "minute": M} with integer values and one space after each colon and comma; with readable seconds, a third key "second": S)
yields {"hour": 7, "minute": 6}
